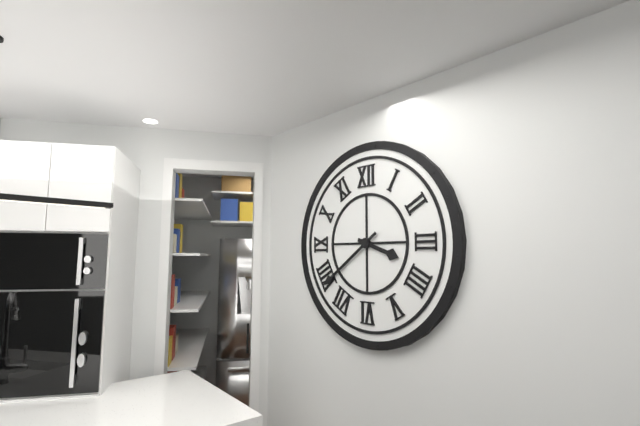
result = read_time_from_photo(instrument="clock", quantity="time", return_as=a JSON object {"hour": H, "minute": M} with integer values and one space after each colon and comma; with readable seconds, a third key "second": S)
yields {"hour": 3, "minute": 39}
